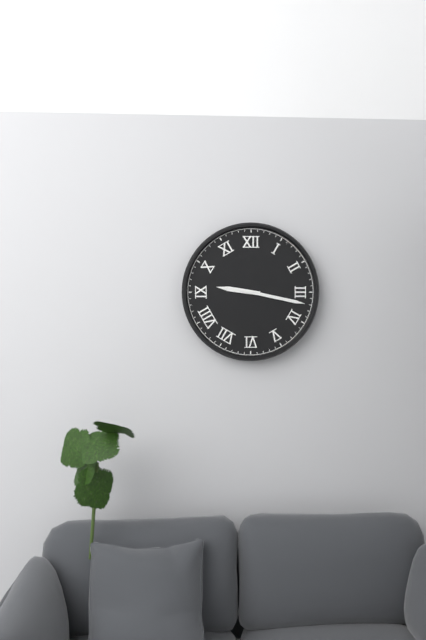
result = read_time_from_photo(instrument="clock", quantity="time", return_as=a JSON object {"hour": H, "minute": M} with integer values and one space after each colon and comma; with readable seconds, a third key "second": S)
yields {"hour": 9, "minute": 17}
